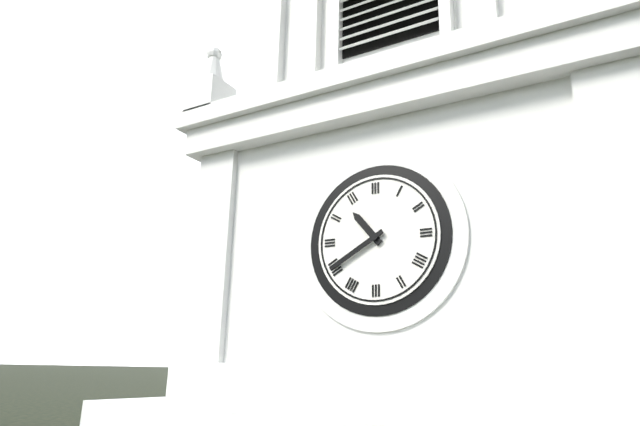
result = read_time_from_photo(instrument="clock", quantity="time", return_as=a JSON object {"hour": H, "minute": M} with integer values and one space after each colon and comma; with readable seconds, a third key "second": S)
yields {"hour": 10, "minute": 40}
